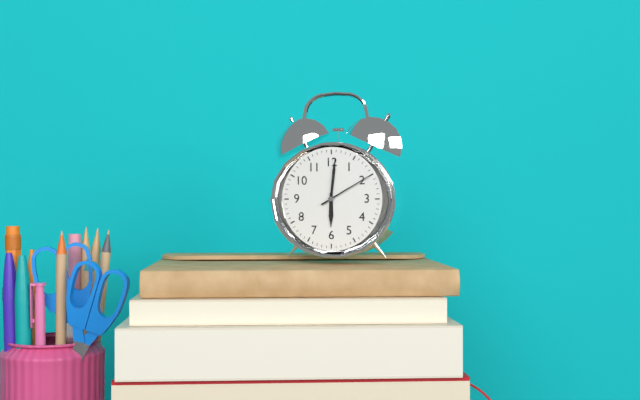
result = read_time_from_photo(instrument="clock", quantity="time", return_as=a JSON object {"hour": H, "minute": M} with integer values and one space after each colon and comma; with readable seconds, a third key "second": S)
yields {"hour": 6, "minute": 1, "second": 10}
